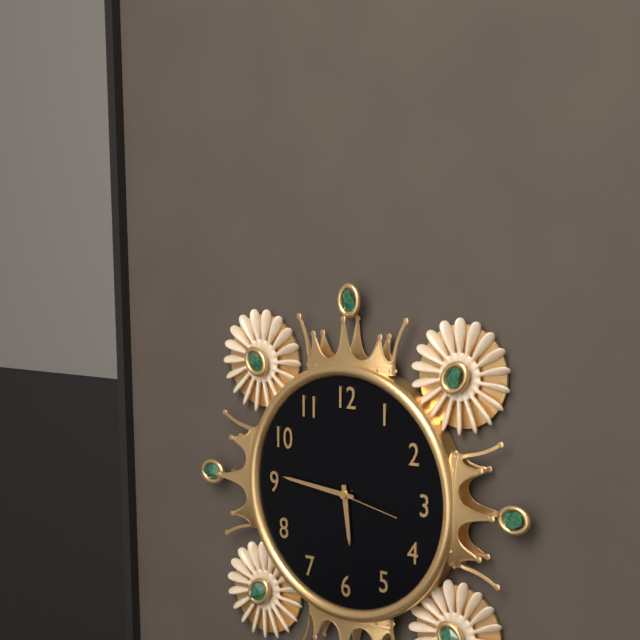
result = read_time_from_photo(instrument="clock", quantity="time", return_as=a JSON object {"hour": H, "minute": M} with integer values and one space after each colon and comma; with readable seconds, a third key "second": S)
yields {"hour": 5, "minute": 46, "second": 17}
